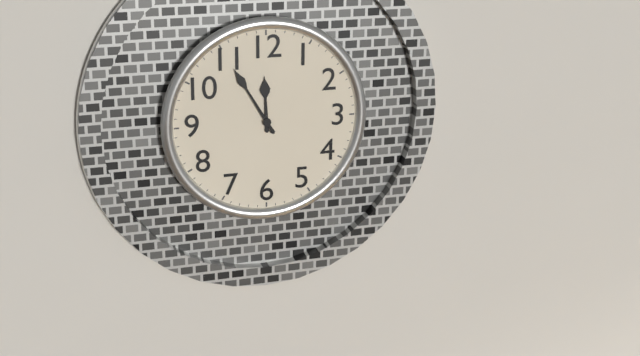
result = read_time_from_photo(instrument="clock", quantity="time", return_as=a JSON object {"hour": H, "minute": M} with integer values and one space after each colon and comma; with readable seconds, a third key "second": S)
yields {"hour": 11, "minute": 55}
